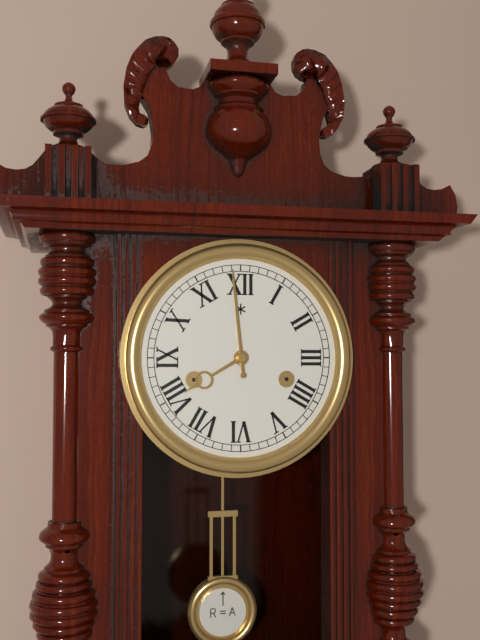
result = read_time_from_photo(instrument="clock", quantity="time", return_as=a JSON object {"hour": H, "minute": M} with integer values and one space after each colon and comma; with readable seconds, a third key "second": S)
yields {"hour": 7, "minute": 59}
